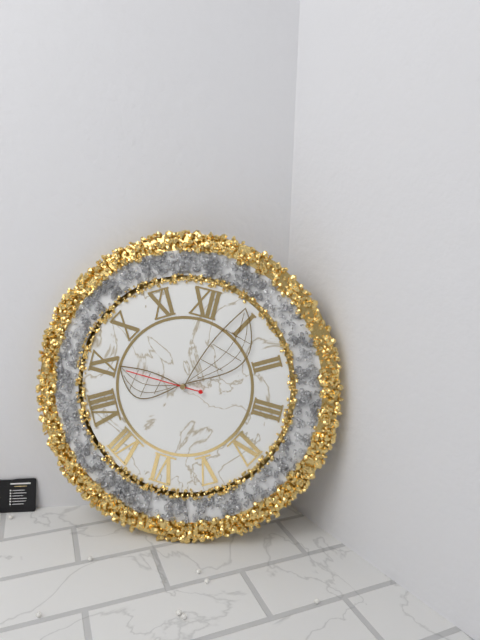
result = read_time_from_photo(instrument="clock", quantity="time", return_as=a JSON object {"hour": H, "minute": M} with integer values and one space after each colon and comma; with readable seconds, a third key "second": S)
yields {"hour": 9, "minute": 4, "second": 45}
